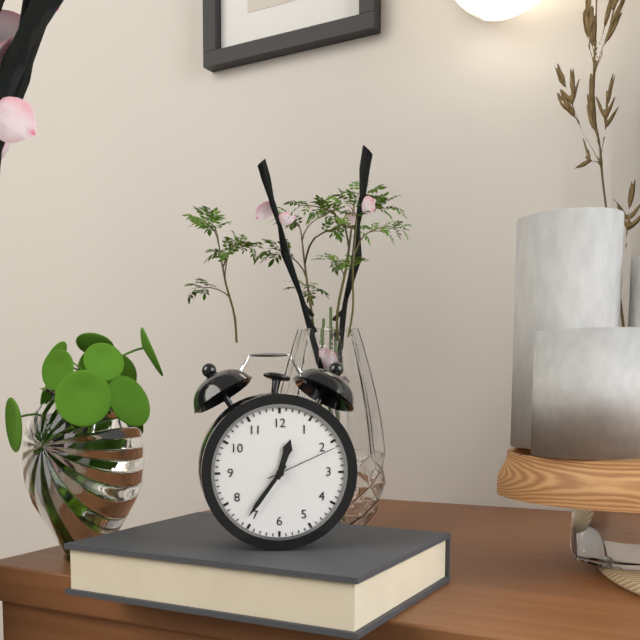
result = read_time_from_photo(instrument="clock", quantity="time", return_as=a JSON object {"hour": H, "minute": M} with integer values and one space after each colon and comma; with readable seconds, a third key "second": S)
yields {"hour": 12, "minute": 36, "second": 11}
